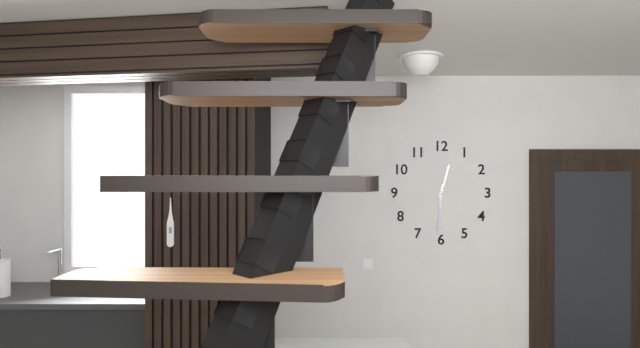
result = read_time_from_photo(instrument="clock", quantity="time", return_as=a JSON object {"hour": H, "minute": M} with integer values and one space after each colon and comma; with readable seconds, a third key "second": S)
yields {"hour": 12, "minute": 31}
